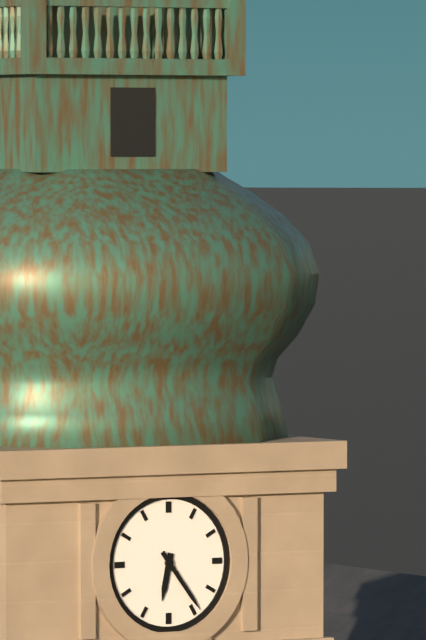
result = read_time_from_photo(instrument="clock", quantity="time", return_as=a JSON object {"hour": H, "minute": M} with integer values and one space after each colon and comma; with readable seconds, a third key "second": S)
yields {"hour": 6, "minute": 24}
